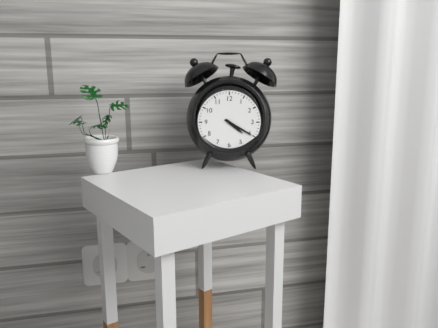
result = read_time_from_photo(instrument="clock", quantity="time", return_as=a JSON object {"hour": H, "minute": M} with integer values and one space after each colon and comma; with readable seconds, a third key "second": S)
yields {"hour": 4, "minute": 20}
